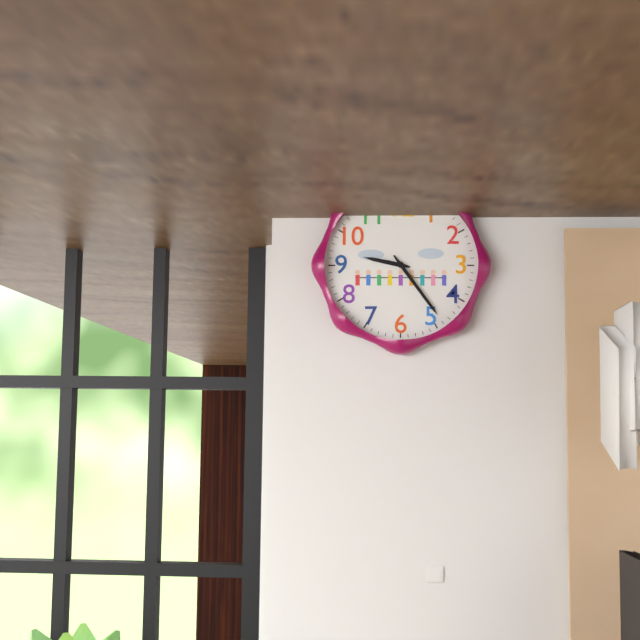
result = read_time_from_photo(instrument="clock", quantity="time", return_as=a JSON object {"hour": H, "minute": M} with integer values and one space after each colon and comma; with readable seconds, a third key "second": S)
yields {"hour": 9, "minute": 24}
